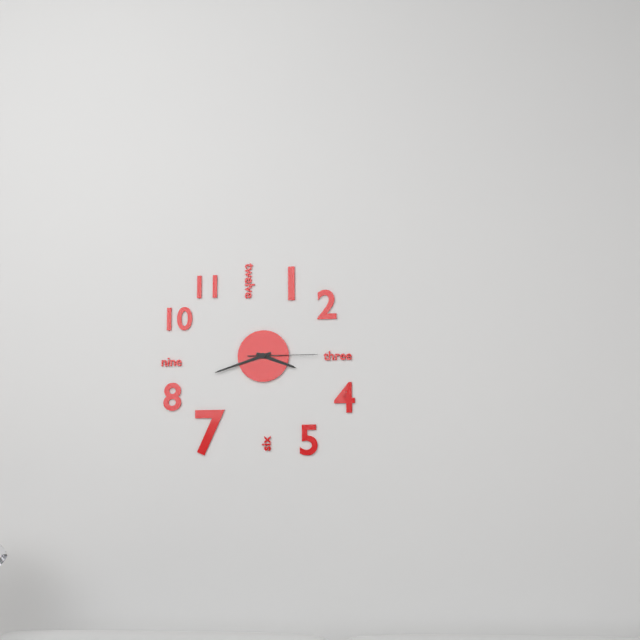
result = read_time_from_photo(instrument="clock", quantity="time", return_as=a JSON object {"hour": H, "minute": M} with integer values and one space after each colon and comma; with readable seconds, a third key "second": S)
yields {"hour": 3, "minute": 42, "second": 15}
